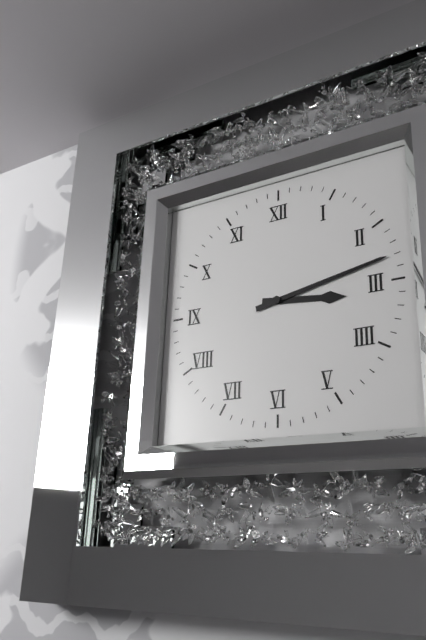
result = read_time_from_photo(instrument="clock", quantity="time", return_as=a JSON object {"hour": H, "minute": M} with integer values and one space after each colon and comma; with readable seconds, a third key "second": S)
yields {"hour": 3, "minute": 13}
